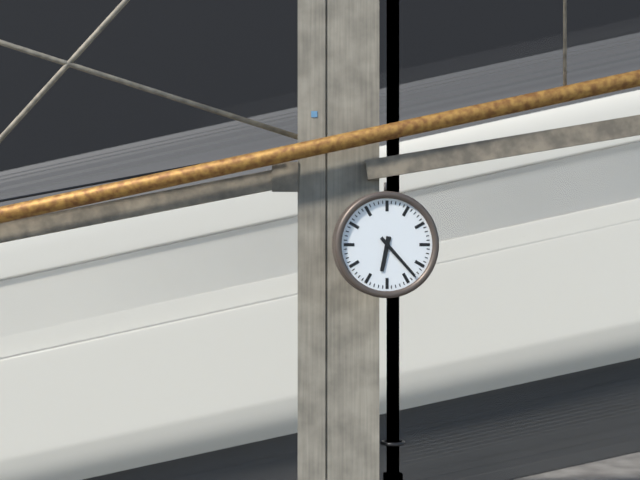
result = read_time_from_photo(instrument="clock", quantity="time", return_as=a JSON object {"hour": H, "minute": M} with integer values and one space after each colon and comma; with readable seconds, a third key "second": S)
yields {"hour": 6, "minute": 23}
